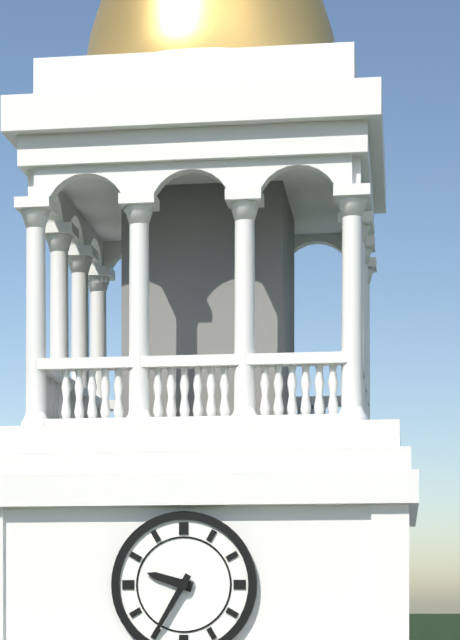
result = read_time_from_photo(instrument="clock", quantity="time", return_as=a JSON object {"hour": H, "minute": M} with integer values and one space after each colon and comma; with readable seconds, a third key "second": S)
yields {"hour": 9, "minute": 35}
